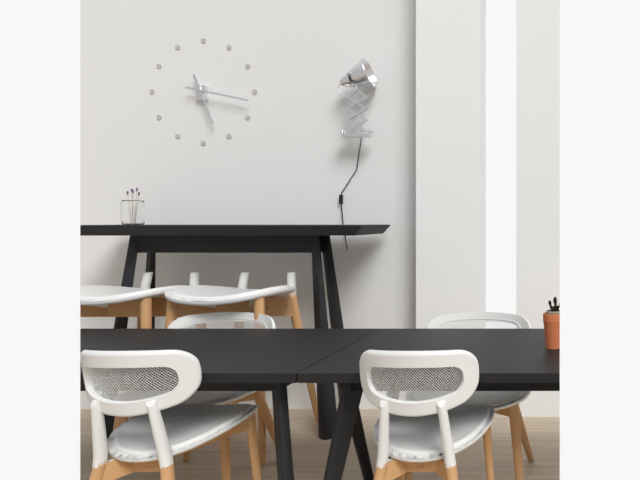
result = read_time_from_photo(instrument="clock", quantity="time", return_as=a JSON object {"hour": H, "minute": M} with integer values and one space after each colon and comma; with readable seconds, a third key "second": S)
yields {"hour": 5, "minute": 17}
